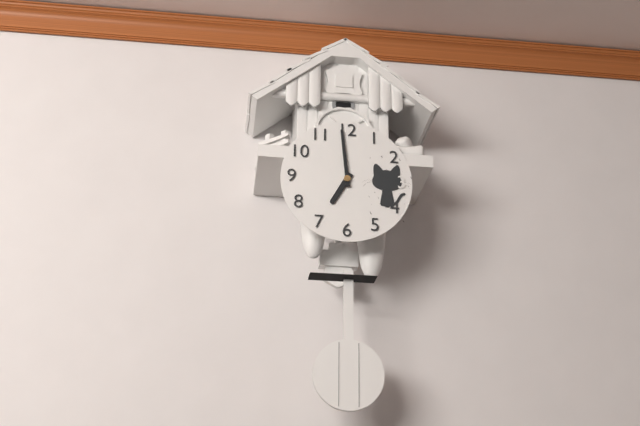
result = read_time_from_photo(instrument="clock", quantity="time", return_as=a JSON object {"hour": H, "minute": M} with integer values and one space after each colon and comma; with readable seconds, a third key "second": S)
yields {"hour": 6, "minute": 59}
